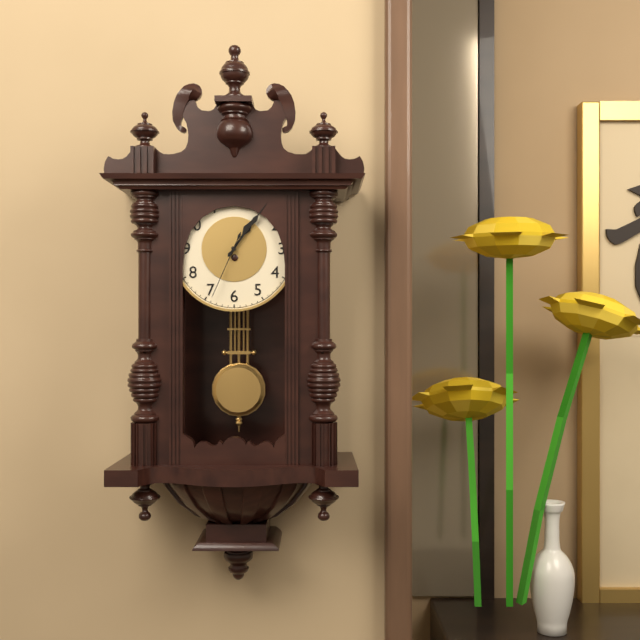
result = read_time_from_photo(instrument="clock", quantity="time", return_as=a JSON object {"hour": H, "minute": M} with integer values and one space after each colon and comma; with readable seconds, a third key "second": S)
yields {"hour": 1, "minute": 6, "second": 34}
